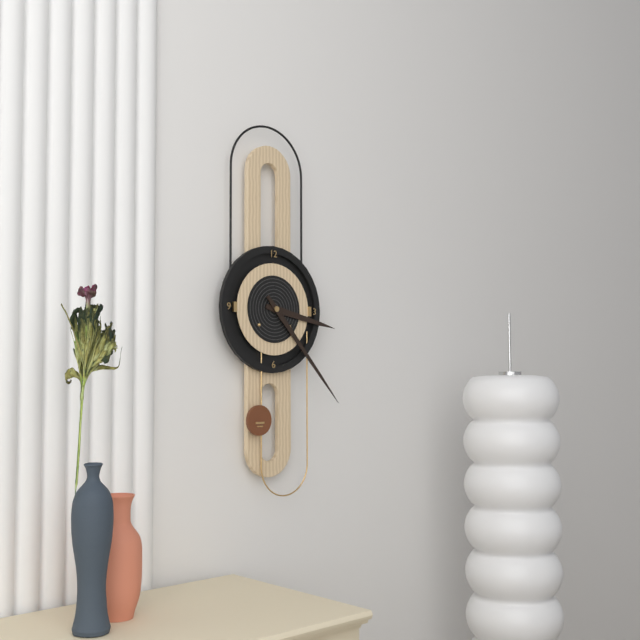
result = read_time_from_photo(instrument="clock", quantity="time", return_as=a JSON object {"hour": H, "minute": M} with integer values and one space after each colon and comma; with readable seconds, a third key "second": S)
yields {"hour": 3, "minute": 23}
